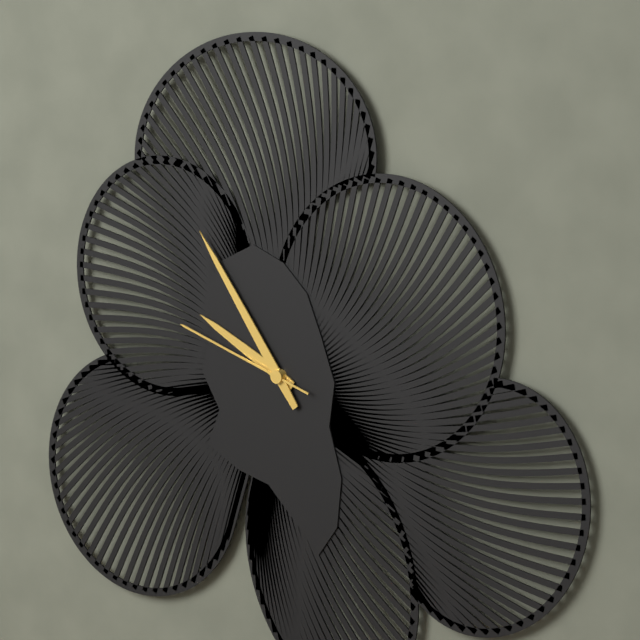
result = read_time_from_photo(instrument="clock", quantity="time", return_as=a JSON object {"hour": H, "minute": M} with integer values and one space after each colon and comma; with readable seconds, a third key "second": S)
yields {"hour": 9, "minute": 54, "second": 48}
